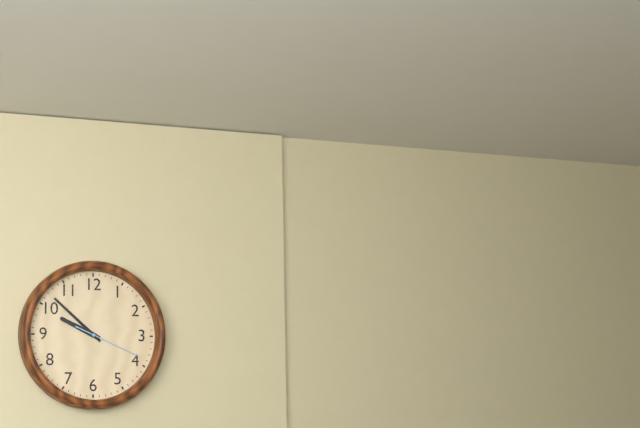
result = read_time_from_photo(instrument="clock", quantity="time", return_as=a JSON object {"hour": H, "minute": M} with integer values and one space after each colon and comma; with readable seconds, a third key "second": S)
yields {"hour": 9, "minute": 52, "second": 19}
